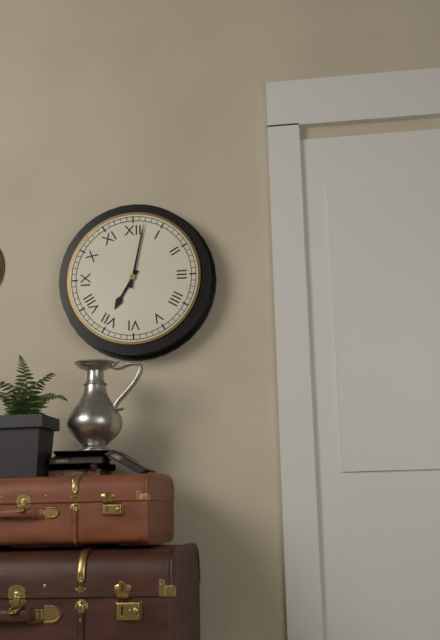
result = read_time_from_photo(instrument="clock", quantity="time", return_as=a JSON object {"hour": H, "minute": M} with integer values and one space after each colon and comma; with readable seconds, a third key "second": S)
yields {"hour": 7, "minute": 2}
